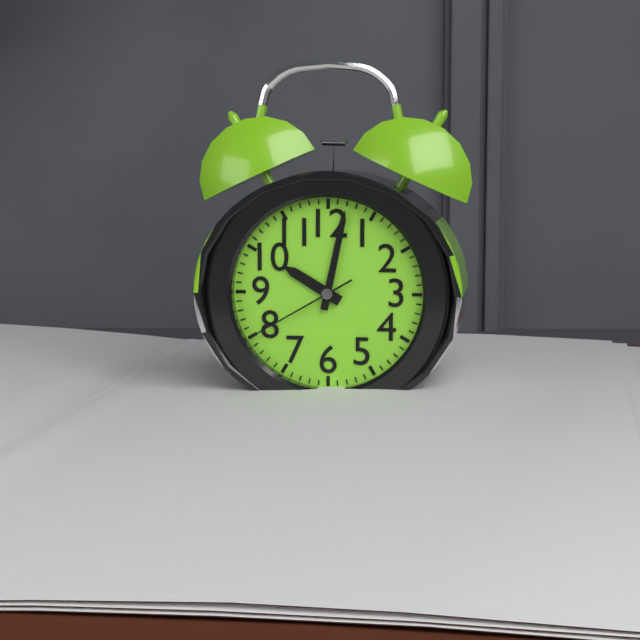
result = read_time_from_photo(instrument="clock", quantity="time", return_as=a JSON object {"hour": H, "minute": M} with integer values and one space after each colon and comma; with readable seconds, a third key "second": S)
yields {"hour": 10, "minute": 2, "second": 40}
